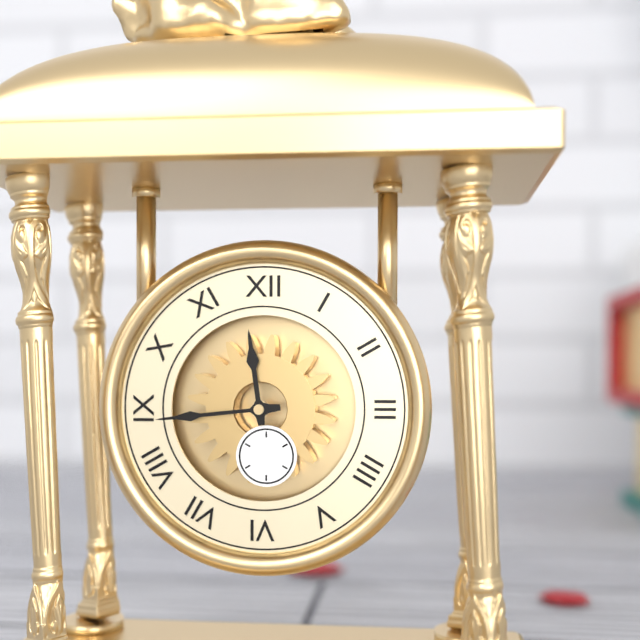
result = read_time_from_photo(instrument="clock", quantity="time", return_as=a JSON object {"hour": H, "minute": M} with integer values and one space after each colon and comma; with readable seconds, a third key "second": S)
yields {"hour": 11, "minute": 44}
